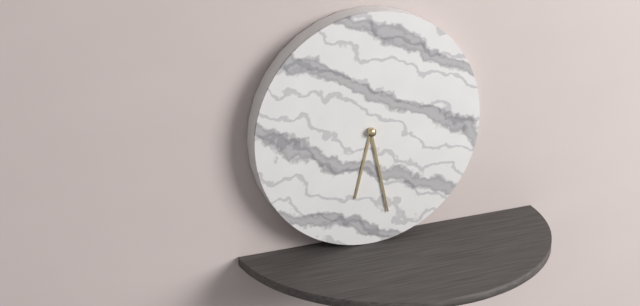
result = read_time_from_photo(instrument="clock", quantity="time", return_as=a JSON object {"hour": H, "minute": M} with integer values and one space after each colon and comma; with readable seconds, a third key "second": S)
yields {"hour": 6, "minute": 28}
